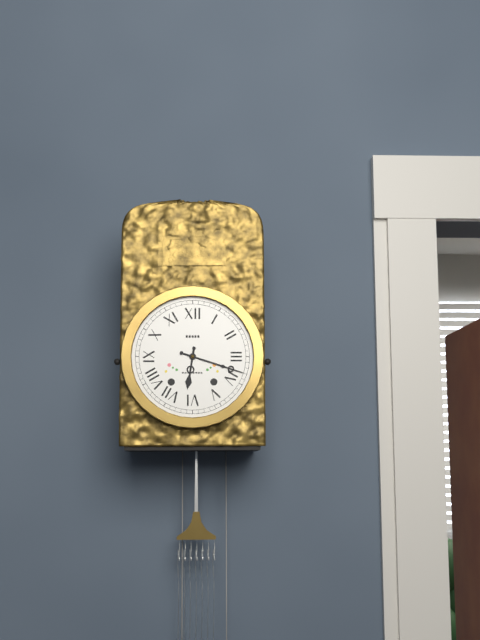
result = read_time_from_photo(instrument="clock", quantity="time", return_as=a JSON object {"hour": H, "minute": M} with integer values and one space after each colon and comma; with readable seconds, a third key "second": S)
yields {"hour": 6, "minute": 18}
